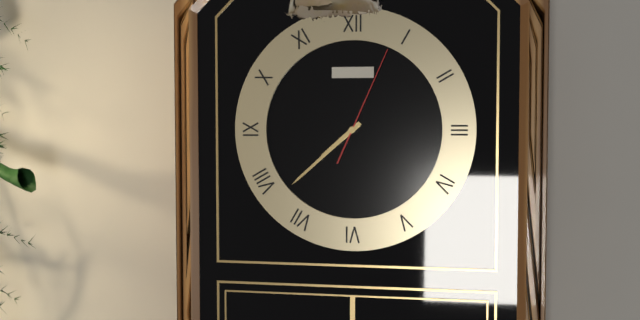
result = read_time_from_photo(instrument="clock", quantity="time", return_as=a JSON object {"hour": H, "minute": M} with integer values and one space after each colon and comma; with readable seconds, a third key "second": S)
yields {"hour": 7, "minute": 38, "second": 4}
